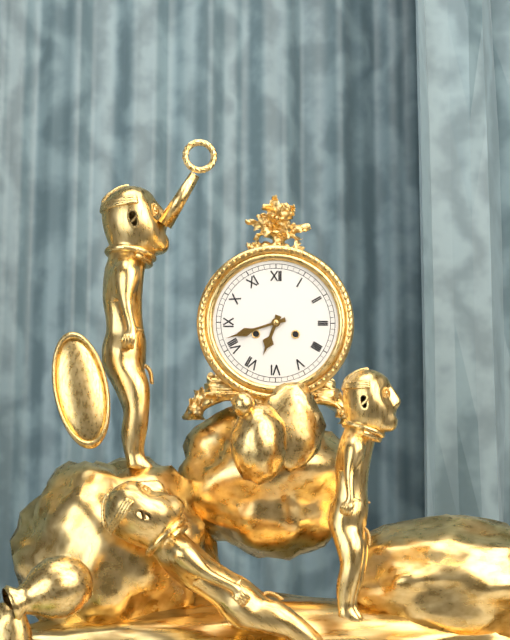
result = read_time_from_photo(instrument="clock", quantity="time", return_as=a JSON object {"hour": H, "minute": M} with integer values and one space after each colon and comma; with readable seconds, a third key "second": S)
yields {"hour": 6, "minute": 42}
